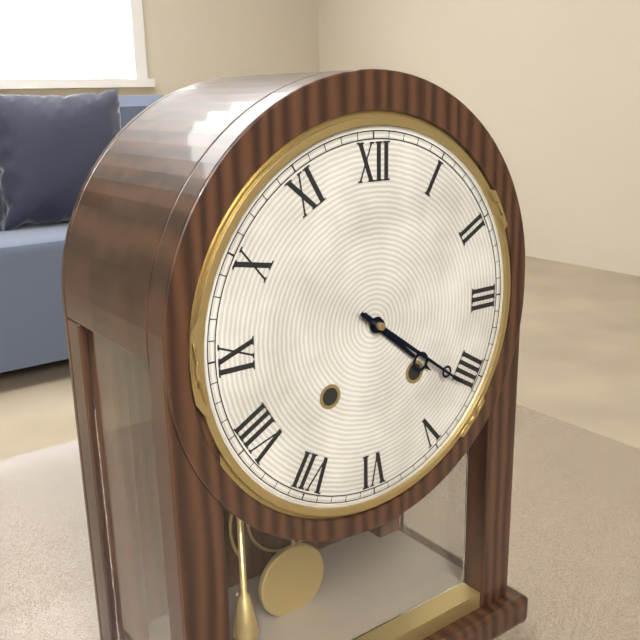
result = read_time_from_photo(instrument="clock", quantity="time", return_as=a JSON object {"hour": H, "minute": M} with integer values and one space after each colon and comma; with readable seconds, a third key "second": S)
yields {"hour": 4, "minute": 21}
